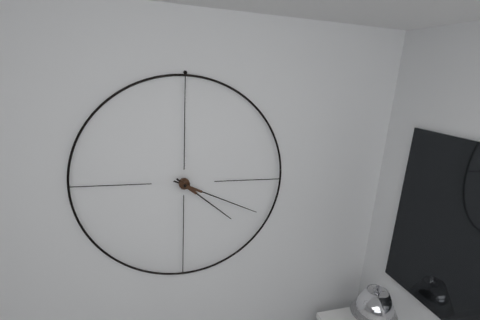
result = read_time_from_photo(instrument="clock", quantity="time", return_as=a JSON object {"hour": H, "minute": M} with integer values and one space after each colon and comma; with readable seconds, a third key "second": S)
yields {"hour": 4, "minute": 19}
